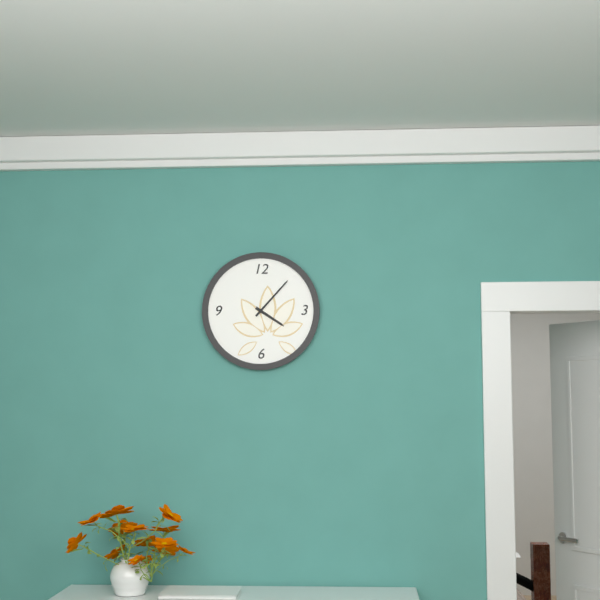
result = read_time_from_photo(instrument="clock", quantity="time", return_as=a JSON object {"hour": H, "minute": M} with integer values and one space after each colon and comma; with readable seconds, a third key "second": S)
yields {"hour": 4, "minute": 7}
